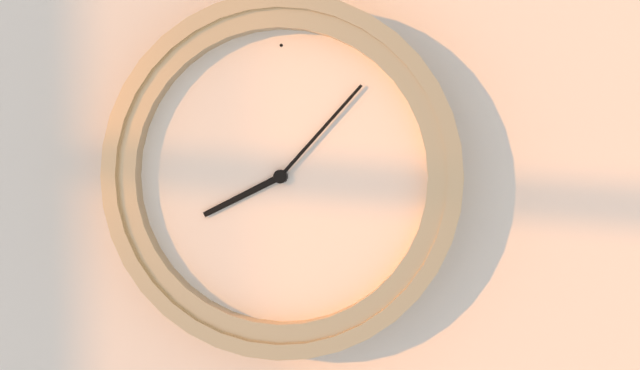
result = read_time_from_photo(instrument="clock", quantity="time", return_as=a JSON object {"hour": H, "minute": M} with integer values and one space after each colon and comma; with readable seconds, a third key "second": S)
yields {"hour": 8, "minute": 7}
